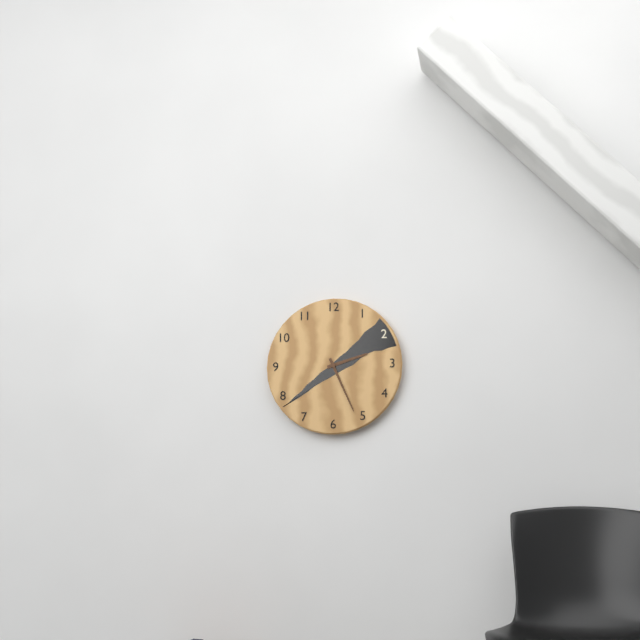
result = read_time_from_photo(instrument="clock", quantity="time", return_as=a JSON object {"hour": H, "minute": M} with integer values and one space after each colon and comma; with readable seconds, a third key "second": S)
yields {"hour": 2, "minute": 26}
